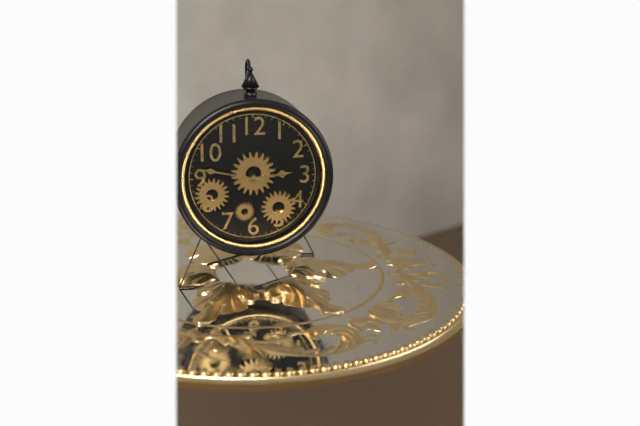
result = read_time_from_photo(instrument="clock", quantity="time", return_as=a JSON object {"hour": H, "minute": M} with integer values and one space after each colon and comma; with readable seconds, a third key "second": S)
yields {"hour": 2, "minute": 47}
